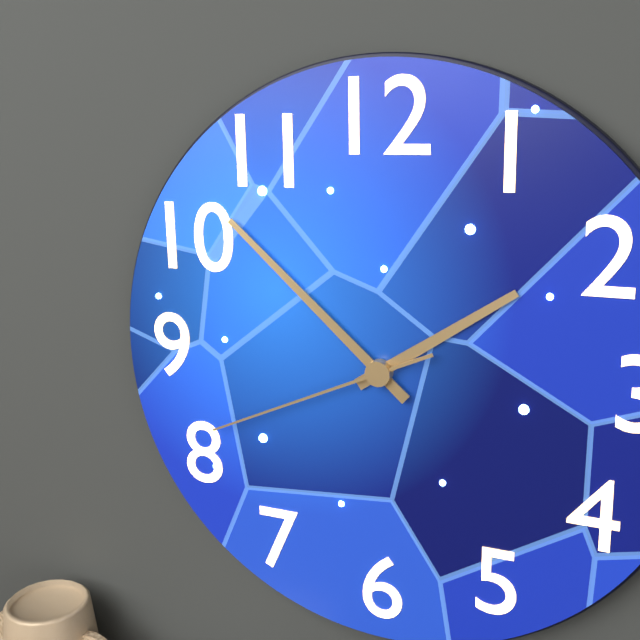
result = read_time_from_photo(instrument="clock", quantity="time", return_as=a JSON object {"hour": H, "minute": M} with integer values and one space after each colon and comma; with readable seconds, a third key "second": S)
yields {"hour": 1, "minute": 52, "second": 41}
